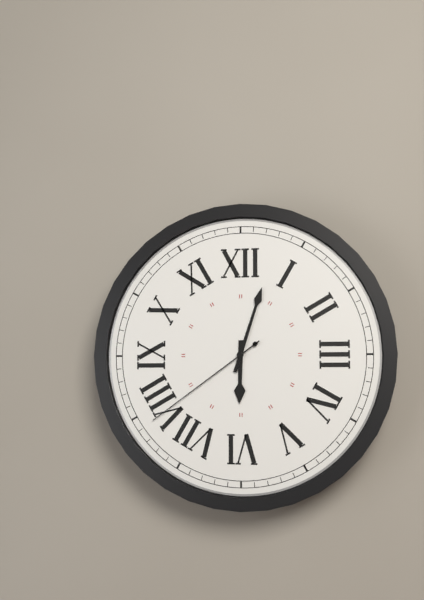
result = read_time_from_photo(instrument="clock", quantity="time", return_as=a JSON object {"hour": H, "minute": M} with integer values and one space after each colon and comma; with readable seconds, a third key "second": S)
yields {"hour": 6, "minute": 3, "second": 39}
